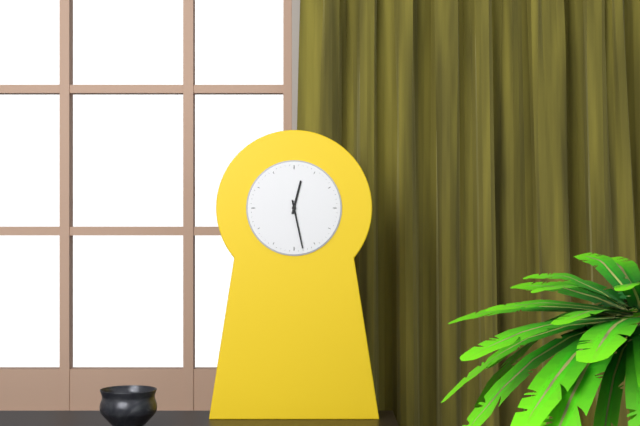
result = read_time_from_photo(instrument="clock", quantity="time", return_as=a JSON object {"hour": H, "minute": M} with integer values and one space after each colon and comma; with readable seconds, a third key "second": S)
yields {"hour": 12, "minute": 28}
